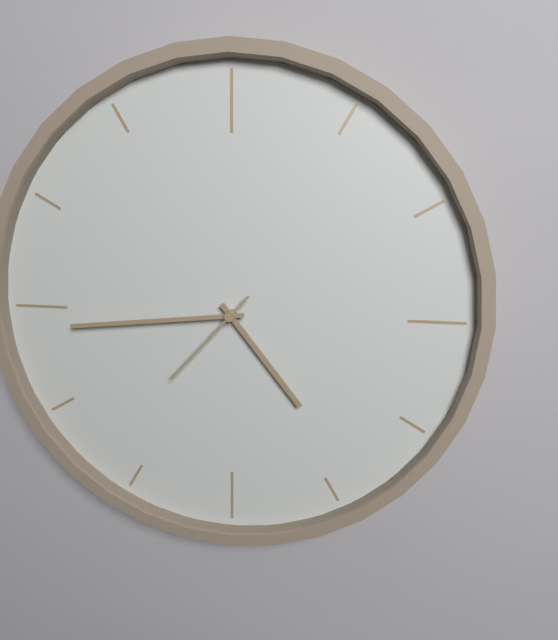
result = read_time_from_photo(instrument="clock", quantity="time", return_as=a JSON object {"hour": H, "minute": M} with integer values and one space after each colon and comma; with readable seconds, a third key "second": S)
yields {"hour": 4, "minute": 44, "second": 37}
